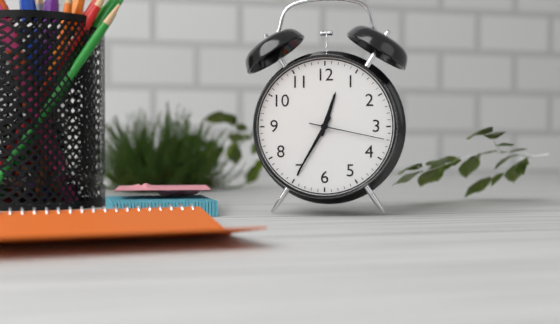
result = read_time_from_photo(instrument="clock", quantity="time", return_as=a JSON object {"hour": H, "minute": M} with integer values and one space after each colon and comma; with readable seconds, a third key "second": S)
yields {"hour": 12, "minute": 35, "second": 17}
